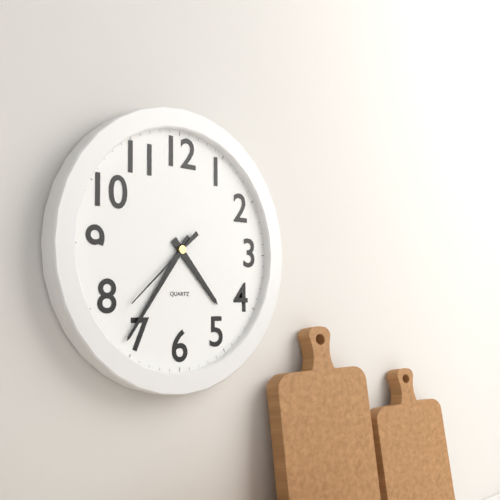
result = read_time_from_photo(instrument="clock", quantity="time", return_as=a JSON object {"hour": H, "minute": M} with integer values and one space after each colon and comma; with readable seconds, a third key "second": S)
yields {"hour": 4, "minute": 36, "second": 38}
